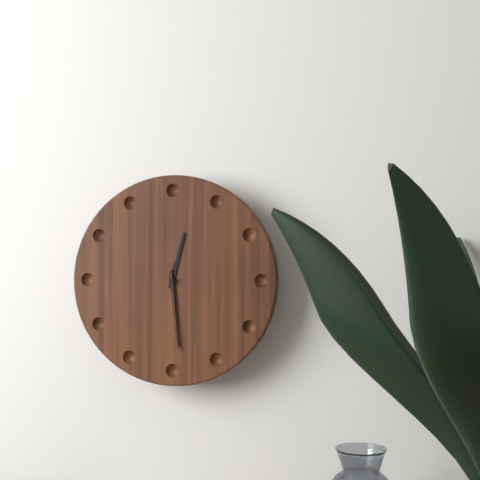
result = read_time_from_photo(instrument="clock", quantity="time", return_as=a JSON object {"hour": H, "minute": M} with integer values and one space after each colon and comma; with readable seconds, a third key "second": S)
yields {"hour": 12, "minute": 29, "second": 29}
